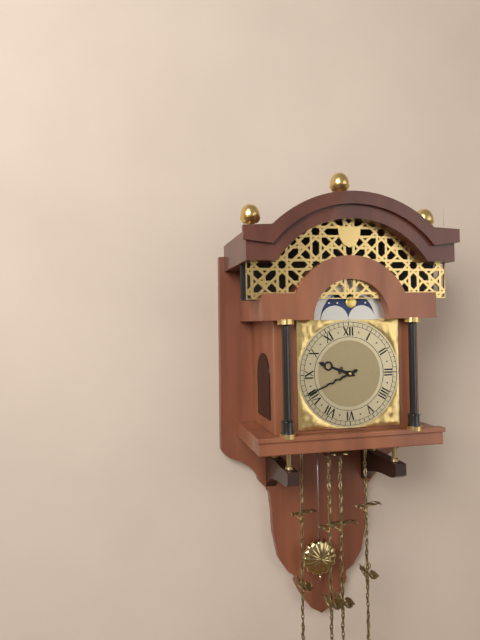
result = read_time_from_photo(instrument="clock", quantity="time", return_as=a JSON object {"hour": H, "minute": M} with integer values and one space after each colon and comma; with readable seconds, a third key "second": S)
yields {"hour": 9, "minute": 41}
